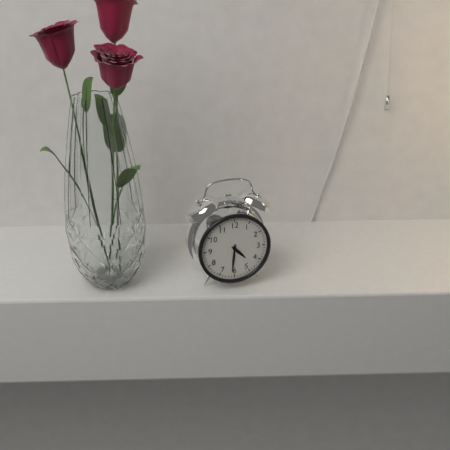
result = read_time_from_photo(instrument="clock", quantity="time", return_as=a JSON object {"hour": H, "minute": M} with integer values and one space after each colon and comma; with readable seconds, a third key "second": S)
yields {"hour": 4, "minute": 31}
